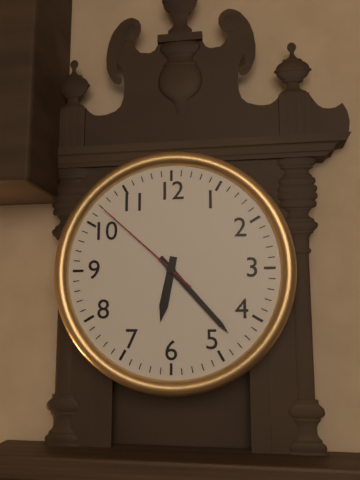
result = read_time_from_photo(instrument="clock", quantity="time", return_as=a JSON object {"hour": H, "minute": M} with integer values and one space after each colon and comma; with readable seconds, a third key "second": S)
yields {"hour": 6, "minute": 23, "second": 52}
